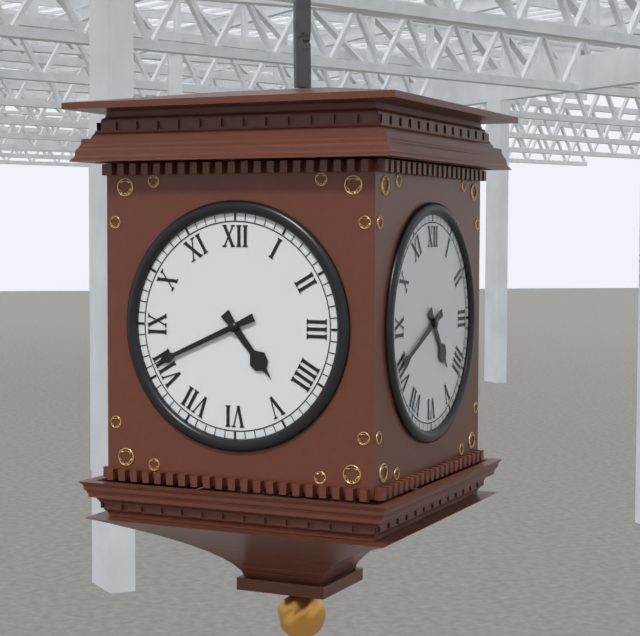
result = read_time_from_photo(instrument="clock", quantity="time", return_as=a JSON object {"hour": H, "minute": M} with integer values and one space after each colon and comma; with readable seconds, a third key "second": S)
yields {"hour": 4, "minute": 41}
